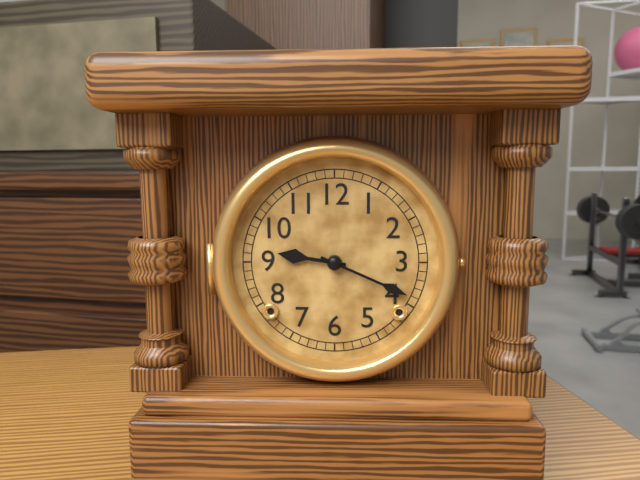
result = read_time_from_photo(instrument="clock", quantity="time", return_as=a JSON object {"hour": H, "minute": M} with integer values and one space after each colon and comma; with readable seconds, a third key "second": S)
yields {"hour": 9, "minute": 19}
